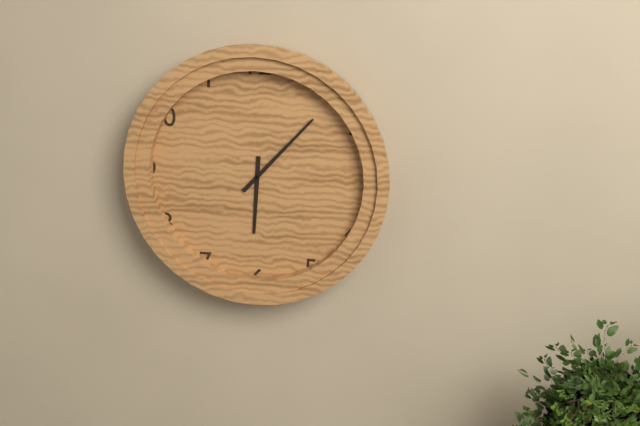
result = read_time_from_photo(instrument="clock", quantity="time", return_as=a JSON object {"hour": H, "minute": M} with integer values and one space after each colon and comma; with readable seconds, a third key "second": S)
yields {"hour": 6, "minute": 7}
